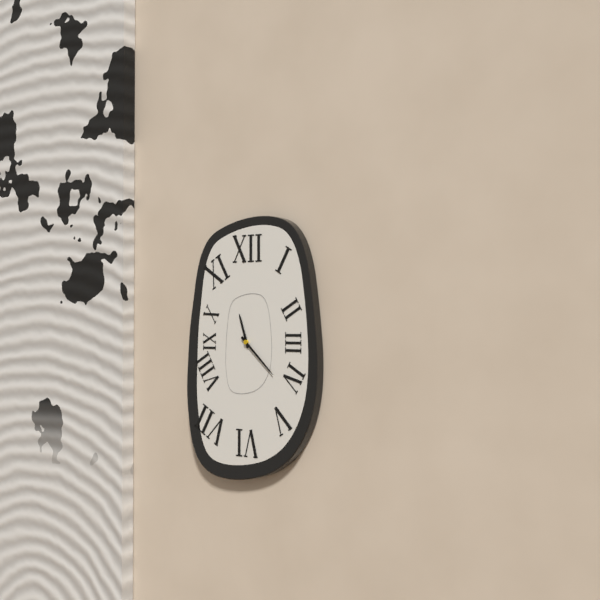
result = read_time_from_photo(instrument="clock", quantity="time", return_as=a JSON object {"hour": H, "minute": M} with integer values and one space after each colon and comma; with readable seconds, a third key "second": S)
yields {"hour": 11, "minute": 22}
